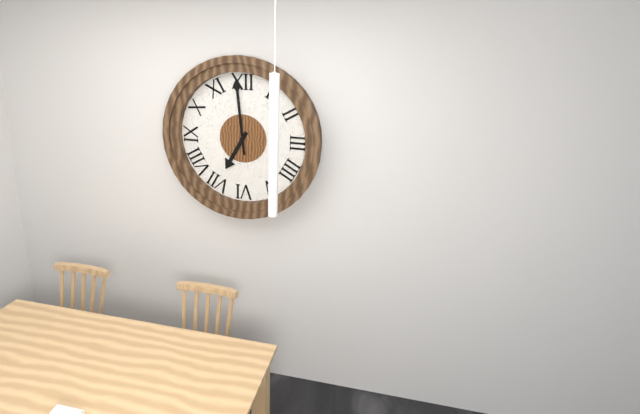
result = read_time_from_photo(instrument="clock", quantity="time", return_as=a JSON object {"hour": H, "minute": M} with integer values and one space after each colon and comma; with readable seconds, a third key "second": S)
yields {"hour": 6, "minute": 59}
